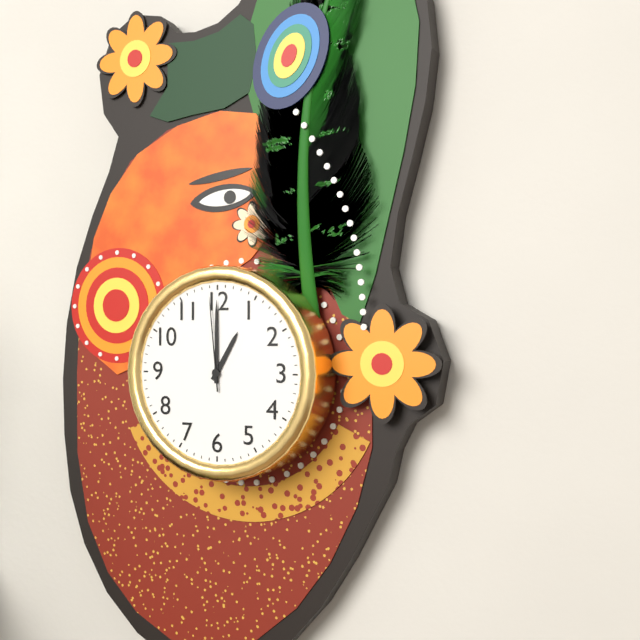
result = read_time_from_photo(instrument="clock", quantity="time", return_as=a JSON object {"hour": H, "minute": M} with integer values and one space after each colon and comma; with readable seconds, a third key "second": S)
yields {"hour": 1, "minute": 0, "second": 59}
